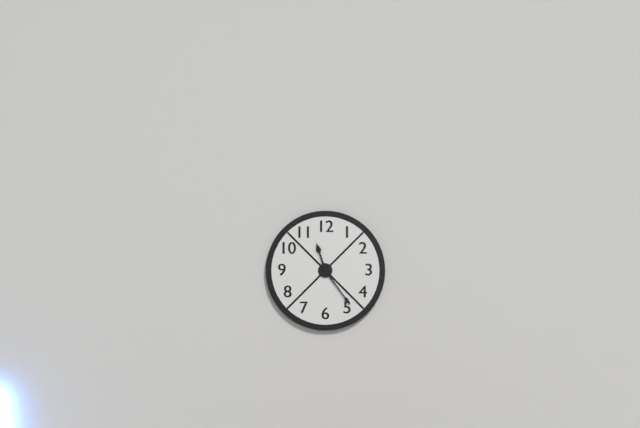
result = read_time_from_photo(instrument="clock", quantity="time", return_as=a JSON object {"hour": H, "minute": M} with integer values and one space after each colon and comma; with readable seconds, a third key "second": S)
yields {"hour": 11, "minute": 24}
